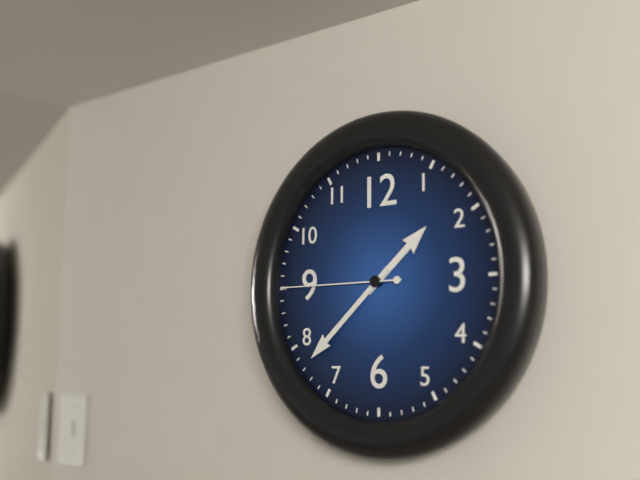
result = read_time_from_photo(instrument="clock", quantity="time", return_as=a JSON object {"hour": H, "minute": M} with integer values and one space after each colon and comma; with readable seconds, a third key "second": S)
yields {"hour": 1, "minute": 38, "second": 45}
